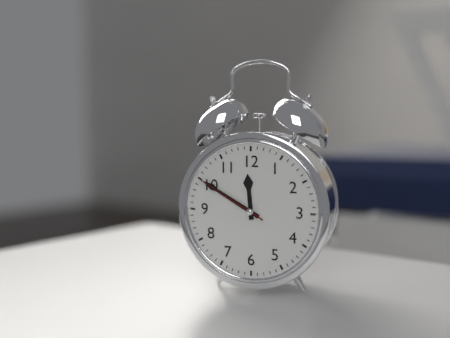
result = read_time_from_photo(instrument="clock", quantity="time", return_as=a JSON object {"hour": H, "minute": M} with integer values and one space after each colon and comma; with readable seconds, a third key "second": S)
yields {"hour": 11, "minute": 50, "second": 50}
